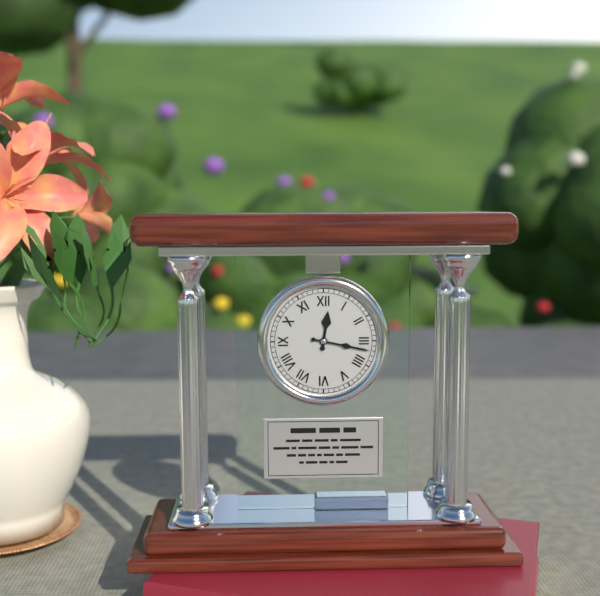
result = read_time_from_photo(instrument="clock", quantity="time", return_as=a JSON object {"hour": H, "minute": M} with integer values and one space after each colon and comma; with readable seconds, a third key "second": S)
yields {"hour": 12, "minute": 17}
